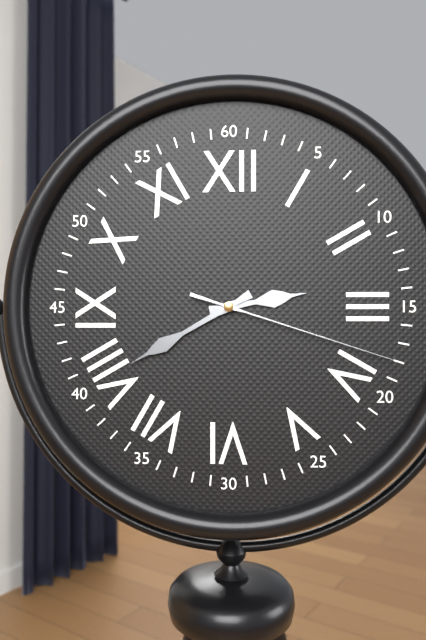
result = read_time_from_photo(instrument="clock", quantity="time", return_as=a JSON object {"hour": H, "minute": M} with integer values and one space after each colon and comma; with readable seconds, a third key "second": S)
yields {"hour": 2, "minute": 40, "second": 18}
